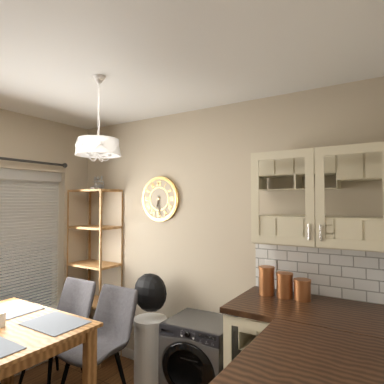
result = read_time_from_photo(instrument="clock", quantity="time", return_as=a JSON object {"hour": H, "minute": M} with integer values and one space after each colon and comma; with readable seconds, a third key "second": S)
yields {"hour": 6, "minute": 29}
